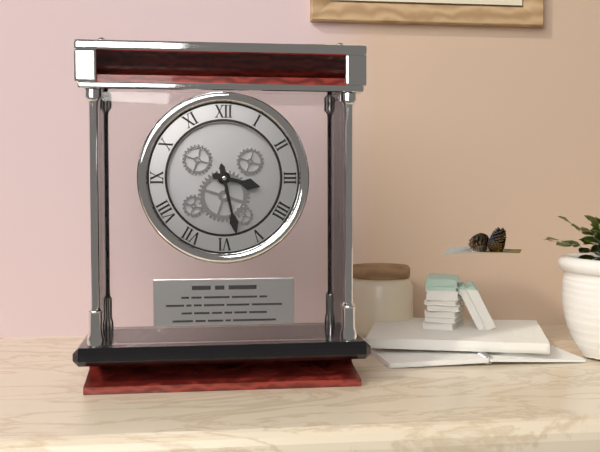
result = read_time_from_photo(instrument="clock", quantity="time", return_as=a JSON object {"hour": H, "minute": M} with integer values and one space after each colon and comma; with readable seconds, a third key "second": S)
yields {"hour": 3, "minute": 28}
